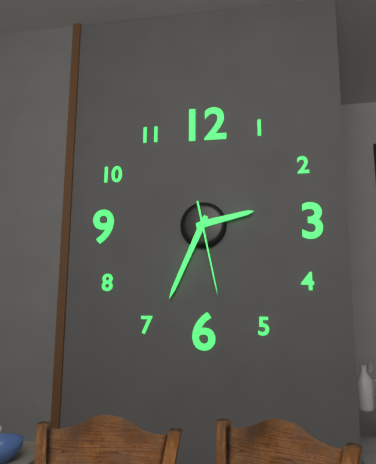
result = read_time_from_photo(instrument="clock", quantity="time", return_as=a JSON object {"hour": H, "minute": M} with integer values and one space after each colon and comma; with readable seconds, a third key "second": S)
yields {"hour": 2, "minute": 34, "second": 28}
